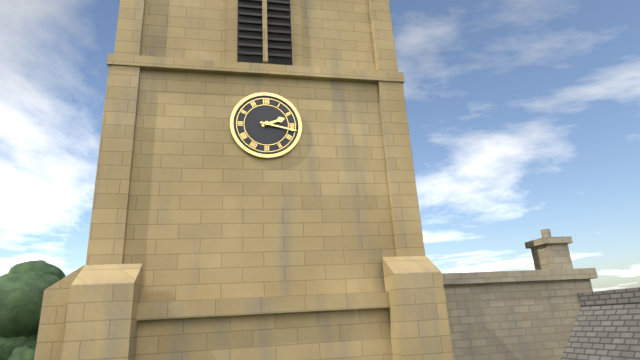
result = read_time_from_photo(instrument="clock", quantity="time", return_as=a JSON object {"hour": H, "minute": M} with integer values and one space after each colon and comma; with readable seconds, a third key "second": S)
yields {"hour": 2, "minute": 17}
